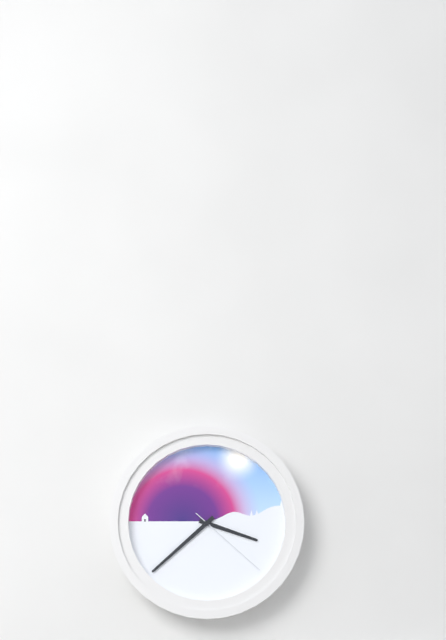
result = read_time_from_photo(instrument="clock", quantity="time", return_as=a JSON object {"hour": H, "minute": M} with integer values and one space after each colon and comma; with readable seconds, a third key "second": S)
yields {"hour": 3, "minute": 38, "second": 22}
